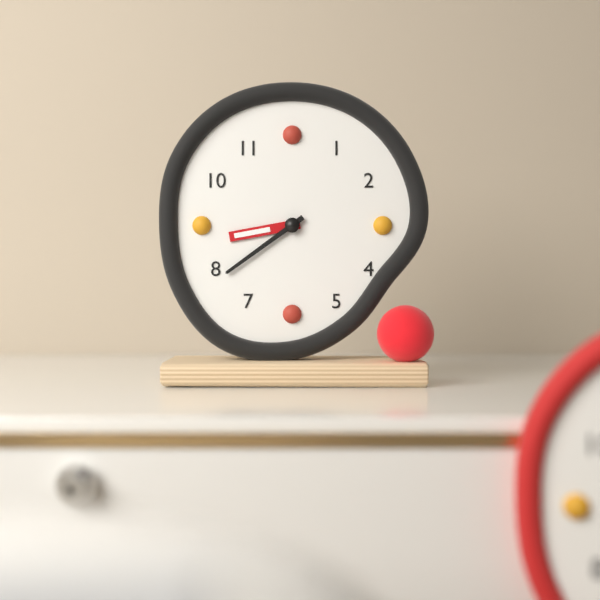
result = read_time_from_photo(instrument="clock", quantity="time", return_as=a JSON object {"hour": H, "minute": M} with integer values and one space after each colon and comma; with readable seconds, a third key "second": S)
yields {"hour": 8, "minute": 39}
